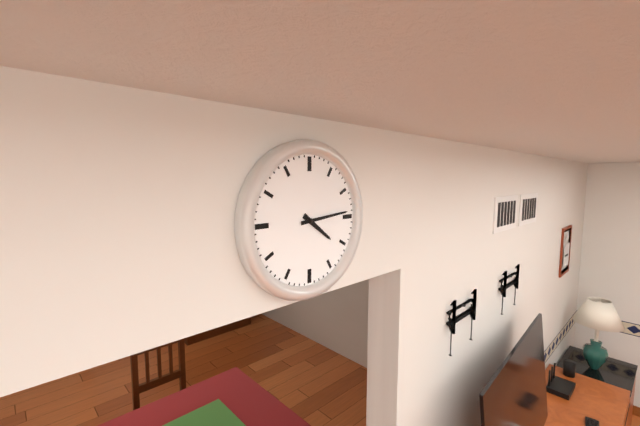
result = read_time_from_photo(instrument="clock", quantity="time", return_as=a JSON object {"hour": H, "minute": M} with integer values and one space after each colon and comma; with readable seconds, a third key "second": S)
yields {"hour": 4, "minute": 14}
